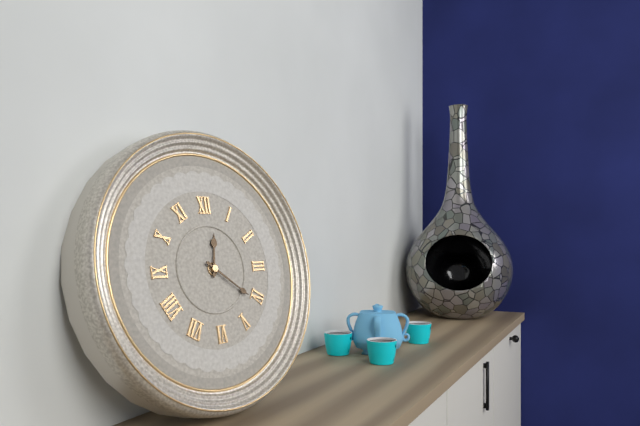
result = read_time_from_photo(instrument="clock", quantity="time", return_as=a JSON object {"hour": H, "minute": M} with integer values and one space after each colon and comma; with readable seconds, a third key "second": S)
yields {"hour": 12, "minute": 21}
